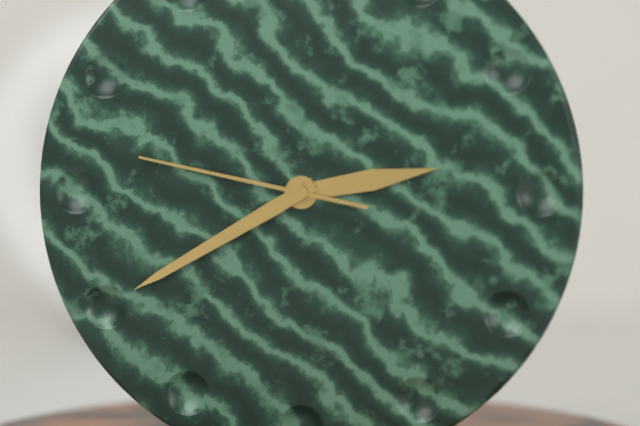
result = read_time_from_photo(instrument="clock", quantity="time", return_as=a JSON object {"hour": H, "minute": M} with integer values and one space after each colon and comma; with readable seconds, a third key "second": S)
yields {"hour": 2, "minute": 40, "second": 47}
